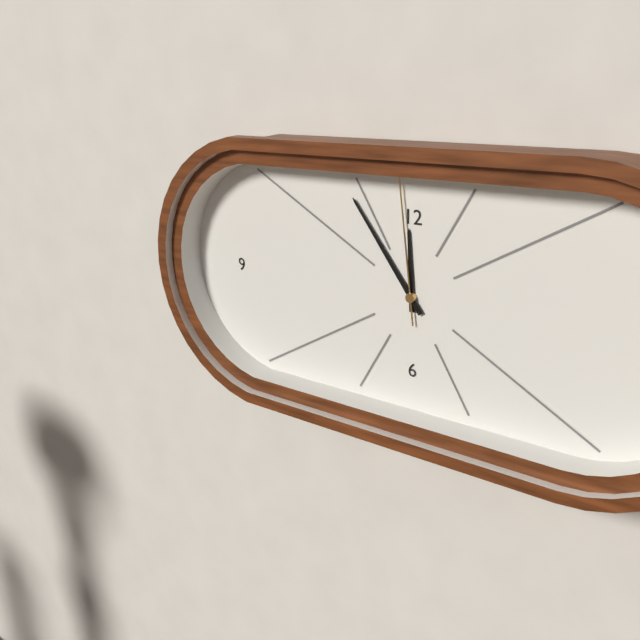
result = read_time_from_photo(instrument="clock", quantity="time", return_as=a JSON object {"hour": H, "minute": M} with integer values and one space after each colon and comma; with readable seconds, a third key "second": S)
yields {"hour": 11, "minute": 54, "second": 59}
